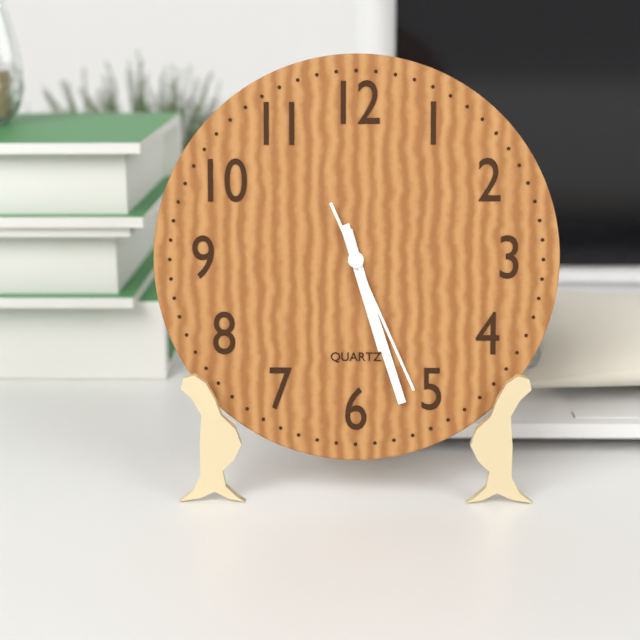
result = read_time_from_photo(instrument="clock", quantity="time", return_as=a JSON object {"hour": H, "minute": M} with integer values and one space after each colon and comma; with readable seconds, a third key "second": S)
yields {"hour": 5, "minute": 27, "second": 26}
